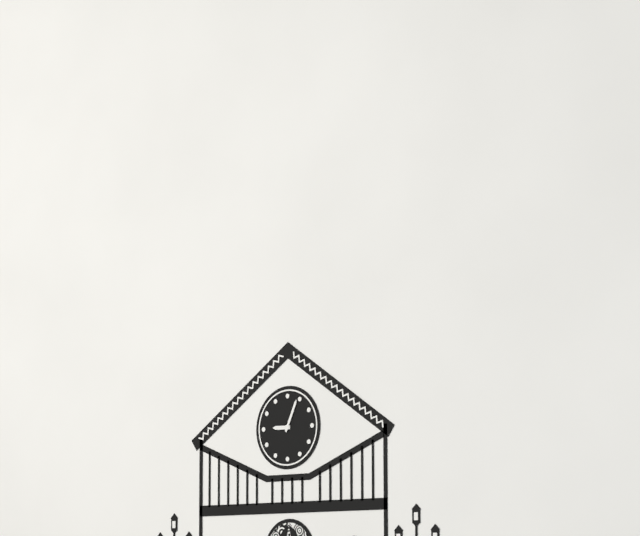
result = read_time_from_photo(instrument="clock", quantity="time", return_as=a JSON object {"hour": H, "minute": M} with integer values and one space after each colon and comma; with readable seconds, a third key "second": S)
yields {"hour": 9, "minute": 4}
